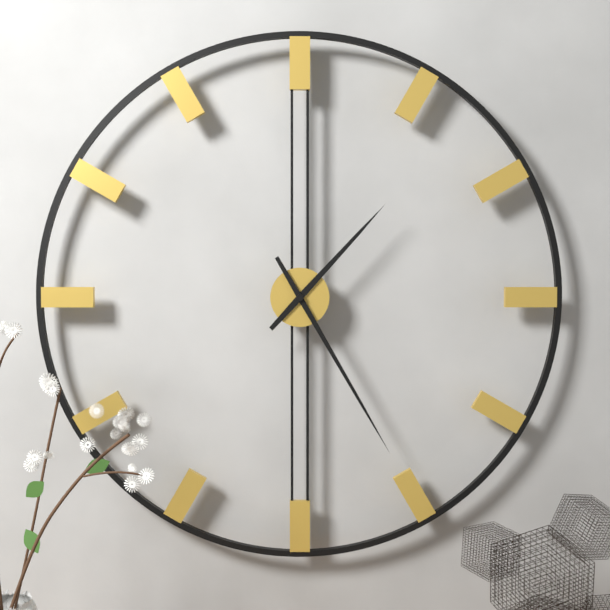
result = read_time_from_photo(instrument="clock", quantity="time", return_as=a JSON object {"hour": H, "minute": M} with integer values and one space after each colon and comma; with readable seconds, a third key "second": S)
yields {"hour": 1, "minute": 25}
